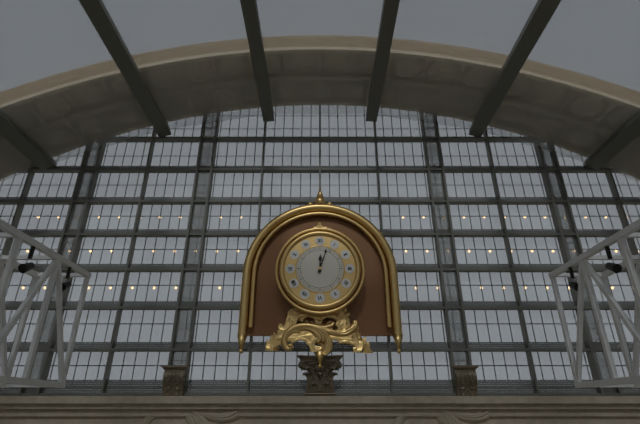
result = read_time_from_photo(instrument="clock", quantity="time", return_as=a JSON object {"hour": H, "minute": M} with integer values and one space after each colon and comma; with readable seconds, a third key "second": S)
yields {"hour": 12, "minute": 3}
